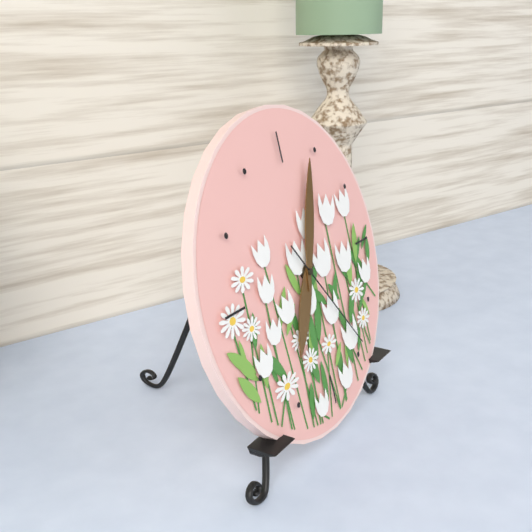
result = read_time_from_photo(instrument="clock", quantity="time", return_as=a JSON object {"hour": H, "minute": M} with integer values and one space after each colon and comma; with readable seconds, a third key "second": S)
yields {"hour": 7, "minute": 4, "second": 24}
